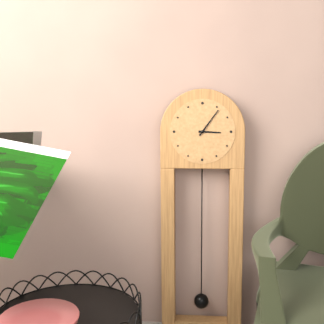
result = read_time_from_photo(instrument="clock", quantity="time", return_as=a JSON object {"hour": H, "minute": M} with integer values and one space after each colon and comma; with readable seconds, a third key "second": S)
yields {"hour": 3, "minute": 6}
